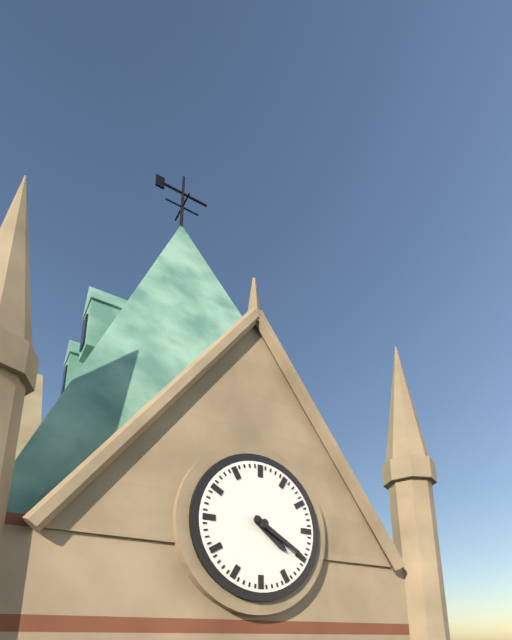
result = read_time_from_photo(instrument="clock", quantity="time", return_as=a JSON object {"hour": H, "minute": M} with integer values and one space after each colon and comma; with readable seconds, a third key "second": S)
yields {"hour": 4, "minute": 20}
